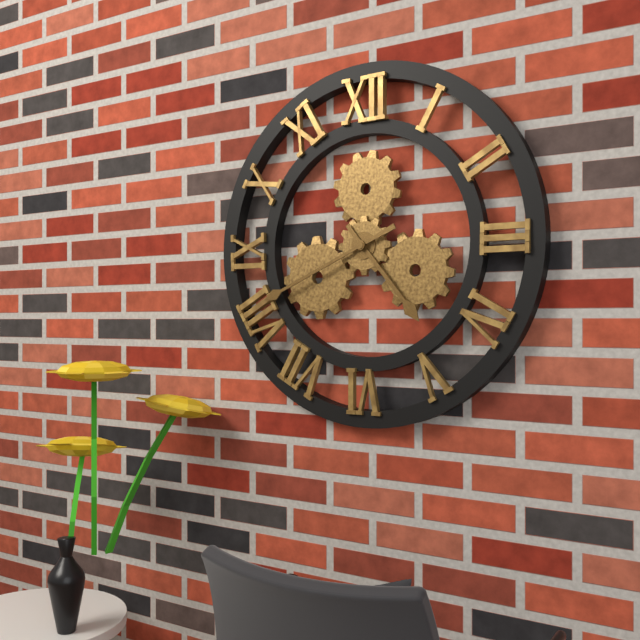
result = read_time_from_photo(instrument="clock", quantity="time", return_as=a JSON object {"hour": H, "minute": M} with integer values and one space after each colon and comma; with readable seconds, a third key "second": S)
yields {"hour": 4, "minute": 41}
